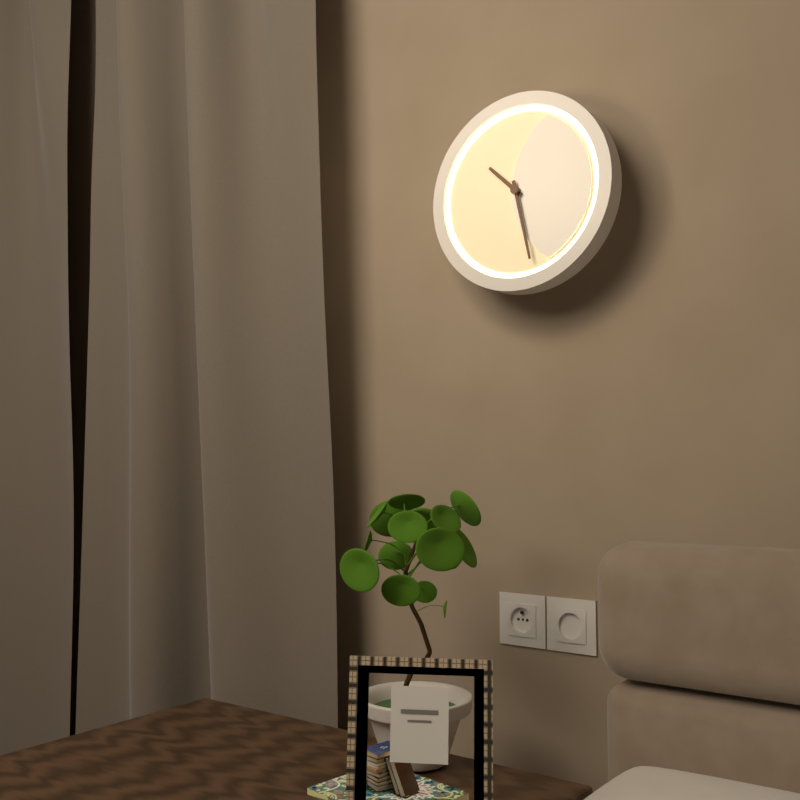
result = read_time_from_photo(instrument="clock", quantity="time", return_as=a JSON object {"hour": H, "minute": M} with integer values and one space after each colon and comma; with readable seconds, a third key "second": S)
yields {"hour": 10, "minute": 28}
